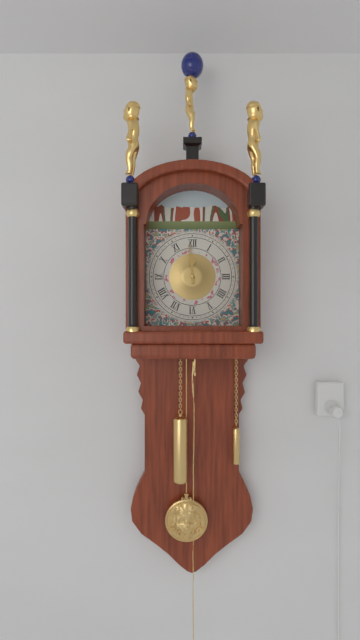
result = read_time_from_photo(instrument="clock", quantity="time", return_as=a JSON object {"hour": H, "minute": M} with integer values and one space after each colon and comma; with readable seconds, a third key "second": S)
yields {"hour": 11, "minute": 59}
